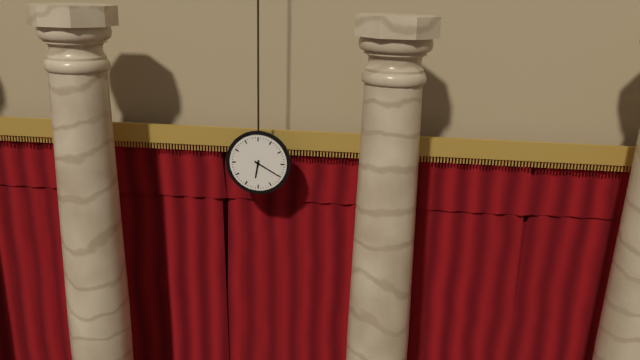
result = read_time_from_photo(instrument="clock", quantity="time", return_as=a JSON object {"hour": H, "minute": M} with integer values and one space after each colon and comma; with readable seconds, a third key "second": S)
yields {"hour": 6, "minute": 20}
